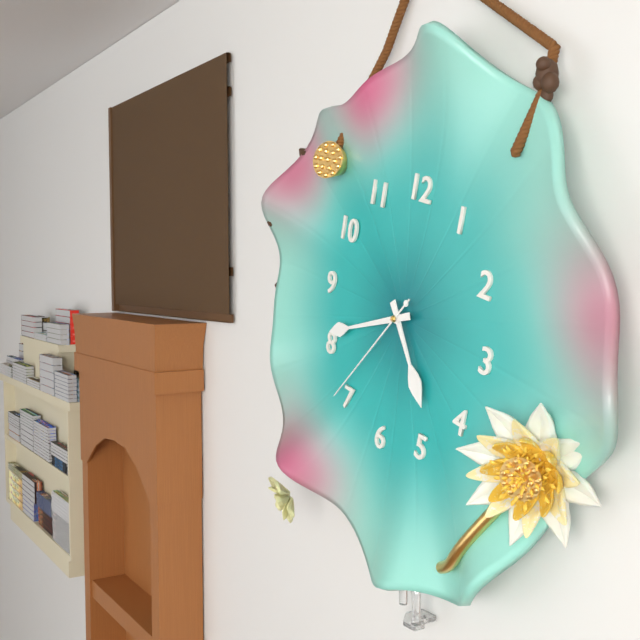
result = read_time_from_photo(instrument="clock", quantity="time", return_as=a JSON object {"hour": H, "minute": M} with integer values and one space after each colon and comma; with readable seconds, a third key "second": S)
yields {"hour": 4, "minute": 41, "second": 36}
